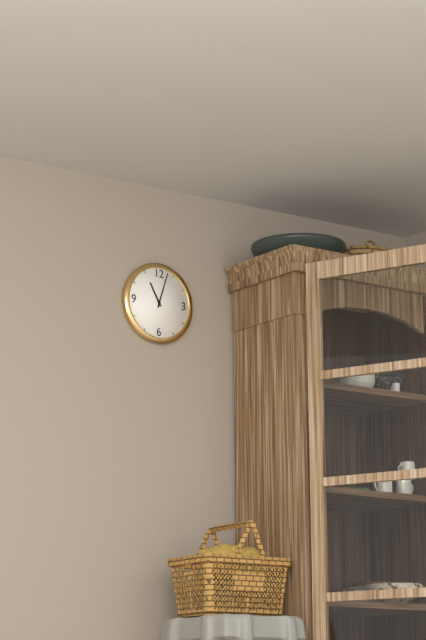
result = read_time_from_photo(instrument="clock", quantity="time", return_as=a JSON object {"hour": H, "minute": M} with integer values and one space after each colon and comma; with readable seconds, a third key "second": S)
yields {"hour": 11, "minute": 3}
